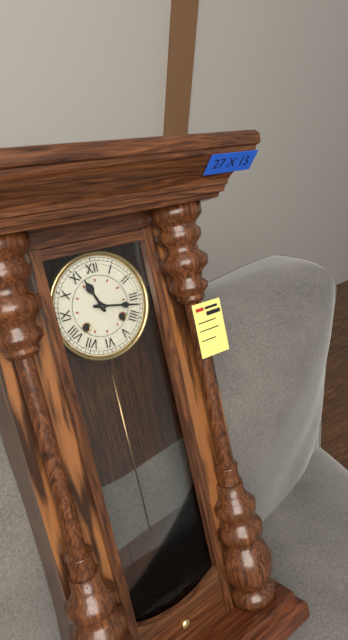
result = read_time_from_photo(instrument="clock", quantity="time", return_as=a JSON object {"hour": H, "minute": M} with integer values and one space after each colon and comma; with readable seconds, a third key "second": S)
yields {"hour": 11, "minute": 17}
